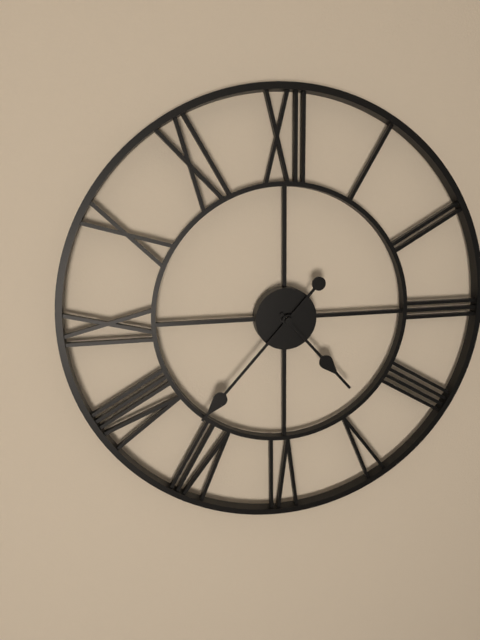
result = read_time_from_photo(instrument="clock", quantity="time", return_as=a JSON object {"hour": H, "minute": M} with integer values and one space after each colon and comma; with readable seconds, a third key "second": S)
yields {"hour": 4, "minute": 37}
